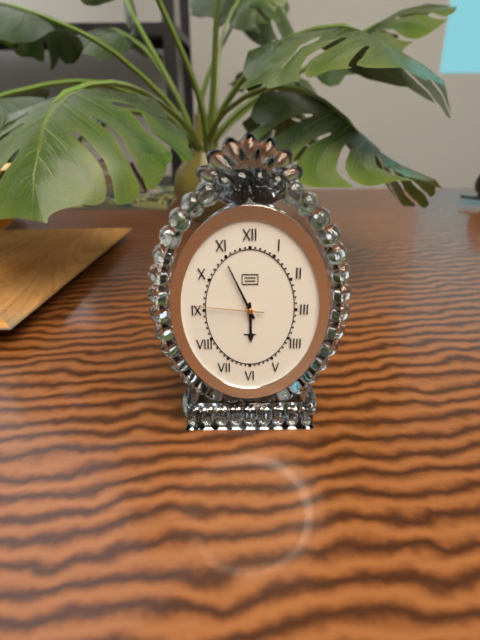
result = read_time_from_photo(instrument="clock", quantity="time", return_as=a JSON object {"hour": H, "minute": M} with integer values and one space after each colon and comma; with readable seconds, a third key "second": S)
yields {"hour": 5, "minute": 56, "second": 46}
